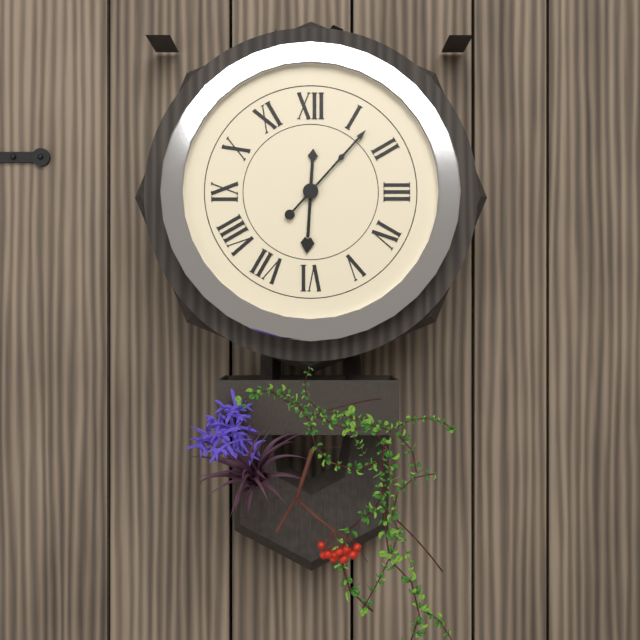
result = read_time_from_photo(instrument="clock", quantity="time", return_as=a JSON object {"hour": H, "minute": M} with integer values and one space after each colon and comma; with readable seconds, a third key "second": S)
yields {"hour": 6, "minute": 7}
